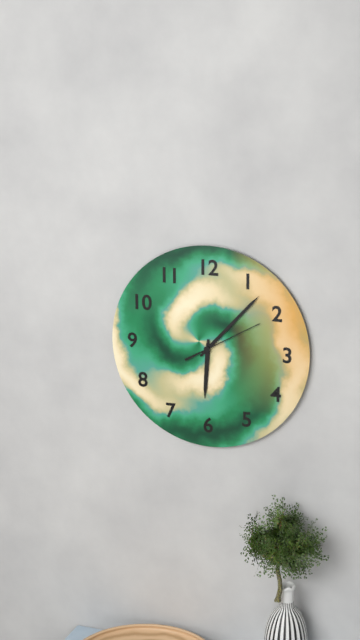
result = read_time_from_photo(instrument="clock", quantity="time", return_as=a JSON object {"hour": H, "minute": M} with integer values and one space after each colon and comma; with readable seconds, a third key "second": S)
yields {"hour": 6, "minute": 7, "second": 10}
